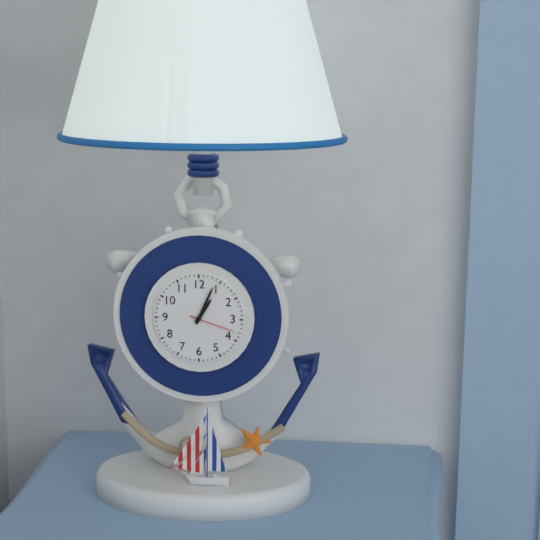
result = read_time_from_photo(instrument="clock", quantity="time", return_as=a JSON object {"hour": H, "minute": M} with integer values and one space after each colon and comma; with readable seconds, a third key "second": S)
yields {"hour": 1, "minute": 4, "second": 18}
